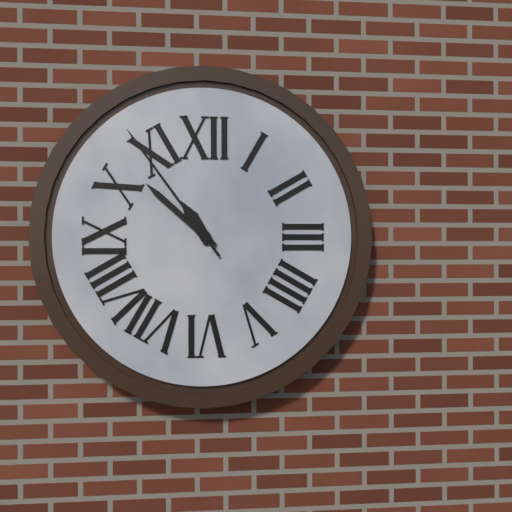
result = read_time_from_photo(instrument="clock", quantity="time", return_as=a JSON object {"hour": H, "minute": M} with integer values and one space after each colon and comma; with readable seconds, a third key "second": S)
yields {"hour": 10, "minute": 52, "second": 54}
